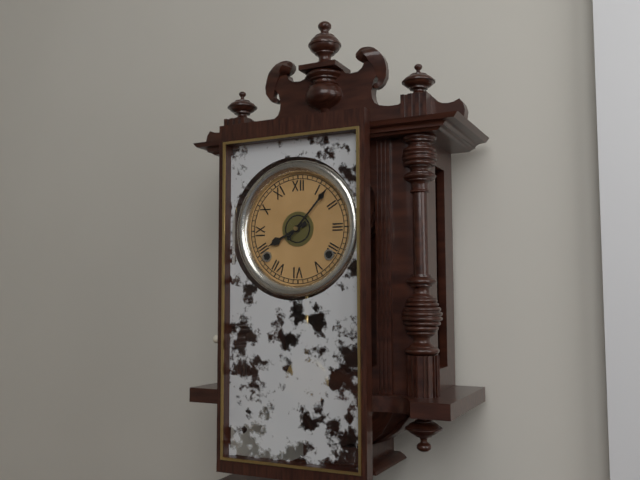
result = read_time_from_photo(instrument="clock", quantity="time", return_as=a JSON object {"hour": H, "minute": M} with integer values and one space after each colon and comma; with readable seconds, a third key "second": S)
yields {"hour": 8, "minute": 7}
